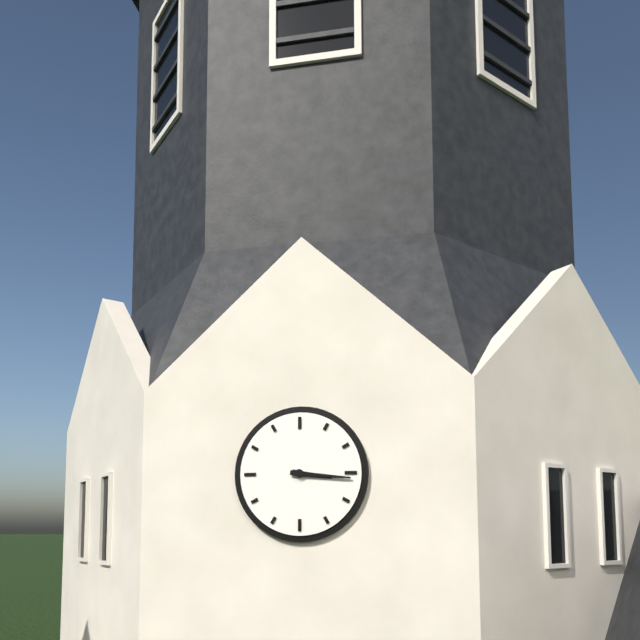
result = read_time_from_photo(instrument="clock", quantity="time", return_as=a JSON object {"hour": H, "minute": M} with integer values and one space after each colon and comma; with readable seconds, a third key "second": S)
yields {"hour": 3, "minute": 16}
